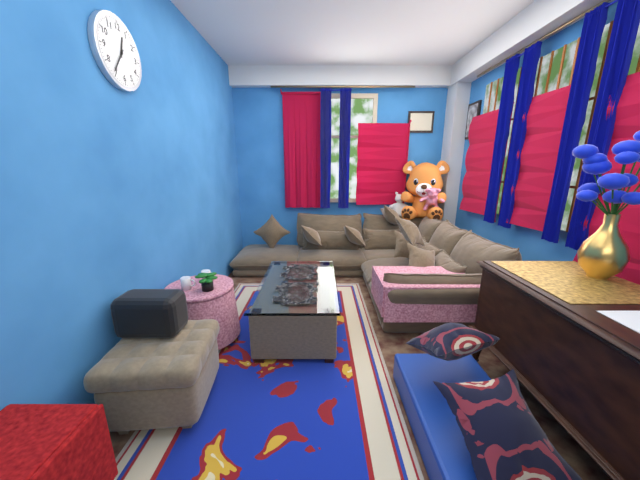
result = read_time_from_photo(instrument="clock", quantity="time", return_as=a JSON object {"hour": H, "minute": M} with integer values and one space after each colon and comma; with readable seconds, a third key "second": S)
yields {"hour": 12, "minute": 36}
